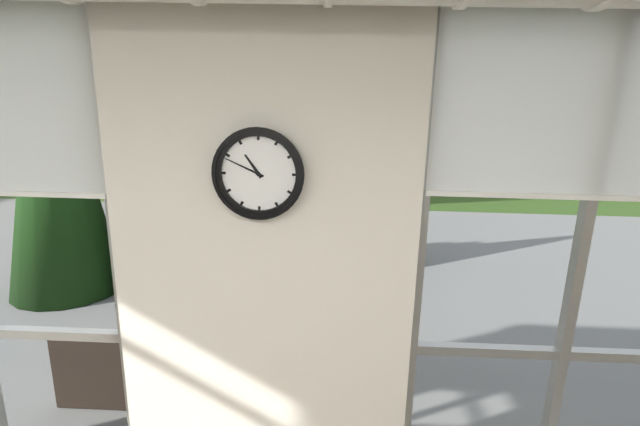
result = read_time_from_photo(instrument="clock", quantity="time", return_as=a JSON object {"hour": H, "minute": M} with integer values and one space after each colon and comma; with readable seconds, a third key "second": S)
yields {"hour": 10, "minute": 49}
